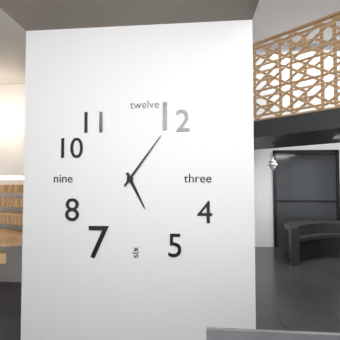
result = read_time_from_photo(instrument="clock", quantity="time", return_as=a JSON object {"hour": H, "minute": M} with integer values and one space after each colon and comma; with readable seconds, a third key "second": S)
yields {"hour": 5, "minute": 6}
